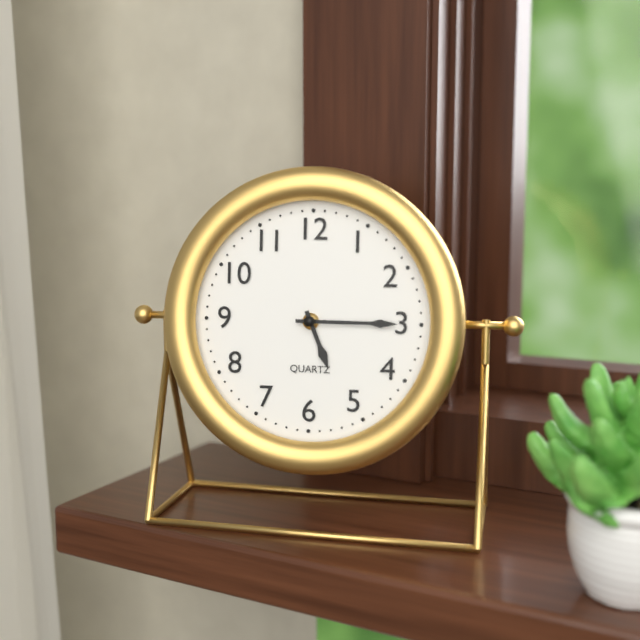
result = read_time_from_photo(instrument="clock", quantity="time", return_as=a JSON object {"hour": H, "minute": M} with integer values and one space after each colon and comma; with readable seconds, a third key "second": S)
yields {"hour": 5, "minute": 15}
